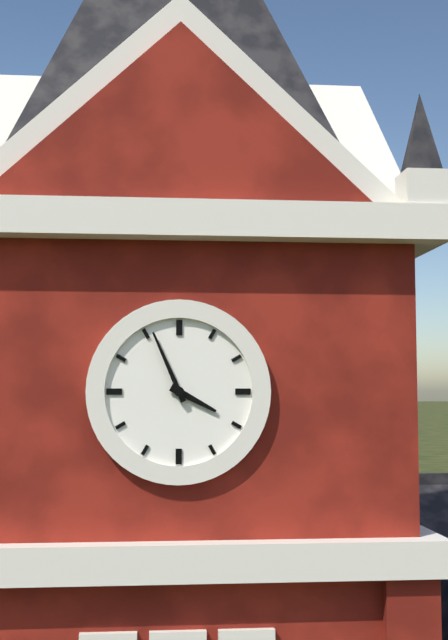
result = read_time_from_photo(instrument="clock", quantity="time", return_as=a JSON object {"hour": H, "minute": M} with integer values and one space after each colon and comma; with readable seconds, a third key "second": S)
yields {"hour": 3, "minute": 56}
